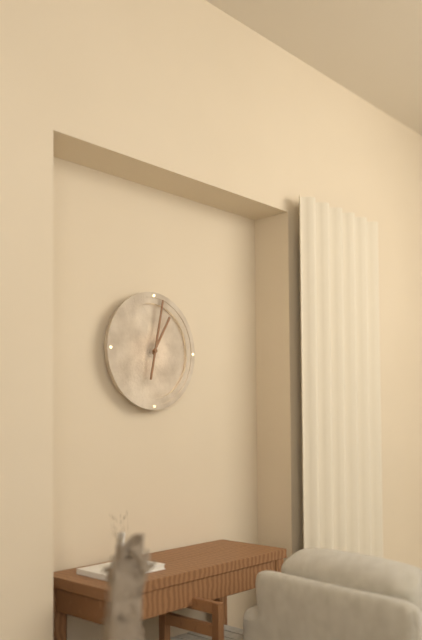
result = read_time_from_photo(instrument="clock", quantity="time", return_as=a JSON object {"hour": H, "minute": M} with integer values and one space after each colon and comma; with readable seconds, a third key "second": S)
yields {"hour": 1, "minute": 2}
